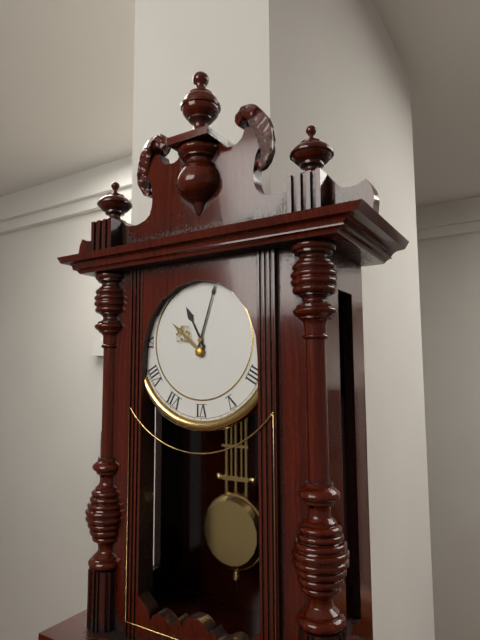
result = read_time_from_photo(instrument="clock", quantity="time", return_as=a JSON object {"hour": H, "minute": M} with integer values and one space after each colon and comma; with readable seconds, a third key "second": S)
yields {"hour": 11, "minute": 3}
